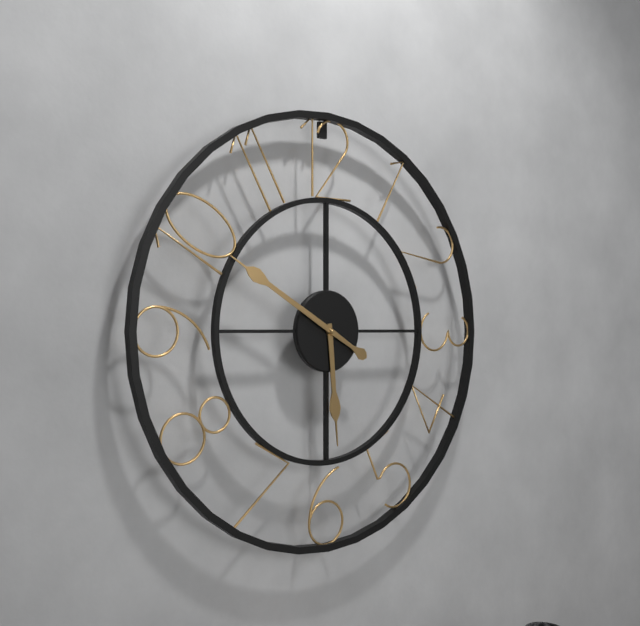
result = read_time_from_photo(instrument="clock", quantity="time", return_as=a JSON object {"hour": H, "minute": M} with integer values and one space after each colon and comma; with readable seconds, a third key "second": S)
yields {"hour": 5, "minute": 50}
